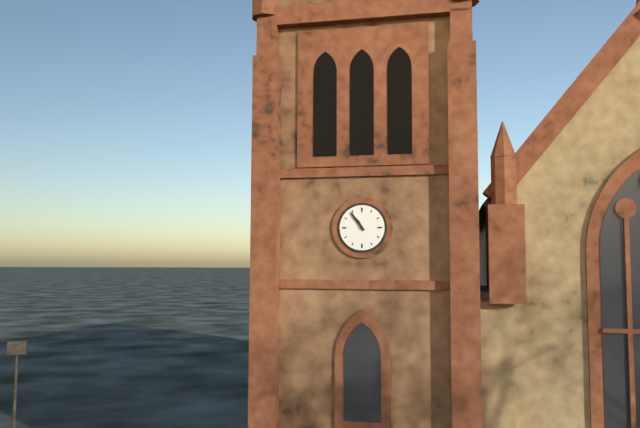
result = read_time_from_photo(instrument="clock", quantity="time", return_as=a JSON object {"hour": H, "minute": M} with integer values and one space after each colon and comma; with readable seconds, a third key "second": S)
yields {"hour": 10, "minute": 54}
